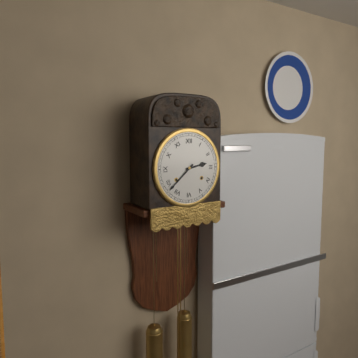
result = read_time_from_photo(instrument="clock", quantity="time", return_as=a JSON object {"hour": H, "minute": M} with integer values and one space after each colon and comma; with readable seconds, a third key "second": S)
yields {"hour": 2, "minute": 38}
